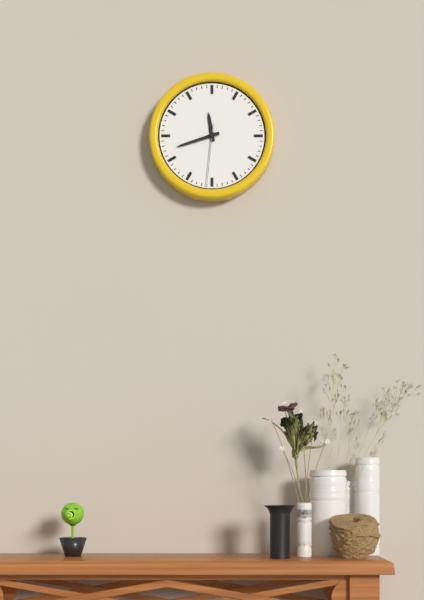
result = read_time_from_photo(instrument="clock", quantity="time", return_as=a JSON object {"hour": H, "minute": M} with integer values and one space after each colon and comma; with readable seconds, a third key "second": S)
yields {"hour": 11, "minute": 42, "second": 31}
